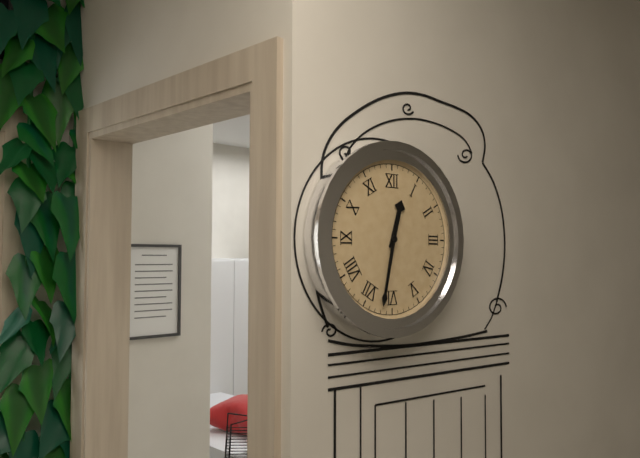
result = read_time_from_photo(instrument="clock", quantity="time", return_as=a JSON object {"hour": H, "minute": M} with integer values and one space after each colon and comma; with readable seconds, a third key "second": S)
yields {"hour": 12, "minute": 32}
